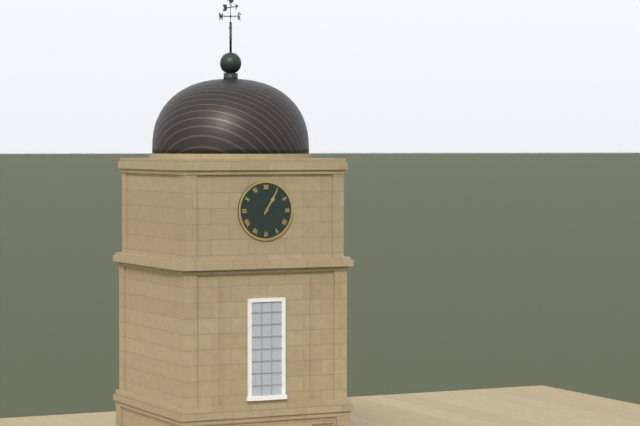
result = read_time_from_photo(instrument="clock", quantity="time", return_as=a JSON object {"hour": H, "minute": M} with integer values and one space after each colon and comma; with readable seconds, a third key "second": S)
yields {"hour": 1, "minute": 5}
